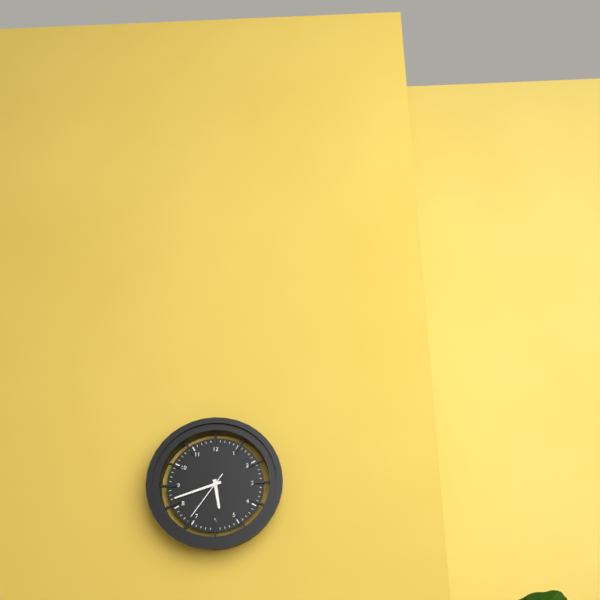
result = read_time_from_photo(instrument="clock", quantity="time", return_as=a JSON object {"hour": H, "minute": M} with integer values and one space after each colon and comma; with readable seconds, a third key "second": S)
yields {"hour": 5, "minute": 42, "second": 36}
